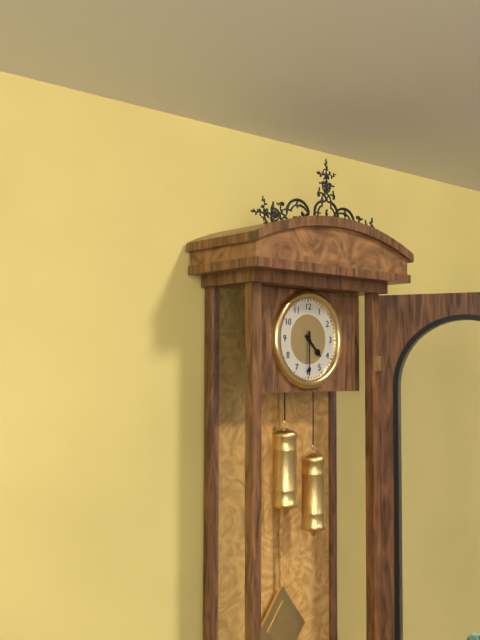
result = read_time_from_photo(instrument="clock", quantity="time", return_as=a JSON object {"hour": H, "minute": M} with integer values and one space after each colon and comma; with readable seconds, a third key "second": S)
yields {"hour": 4, "minute": 30}
